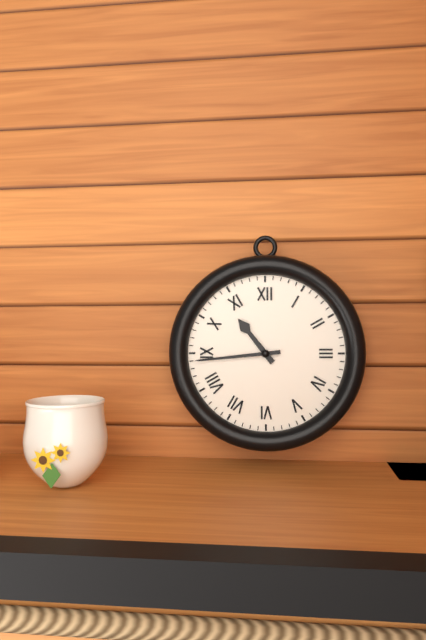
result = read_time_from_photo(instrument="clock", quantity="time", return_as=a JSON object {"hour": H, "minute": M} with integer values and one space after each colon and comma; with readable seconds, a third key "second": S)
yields {"hour": 10, "minute": 44}
